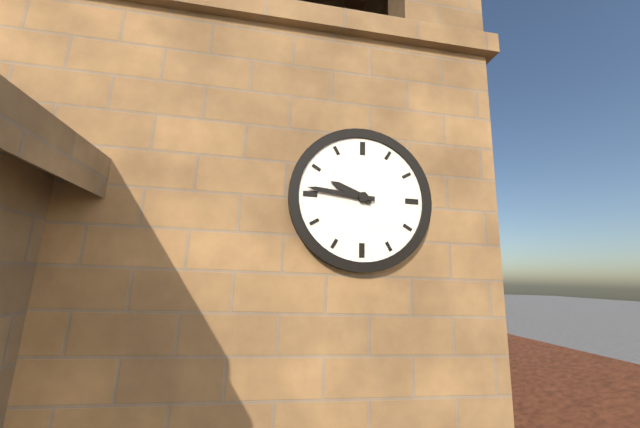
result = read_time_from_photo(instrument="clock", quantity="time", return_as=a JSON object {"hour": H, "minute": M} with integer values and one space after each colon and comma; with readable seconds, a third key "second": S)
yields {"hour": 9, "minute": 46}
